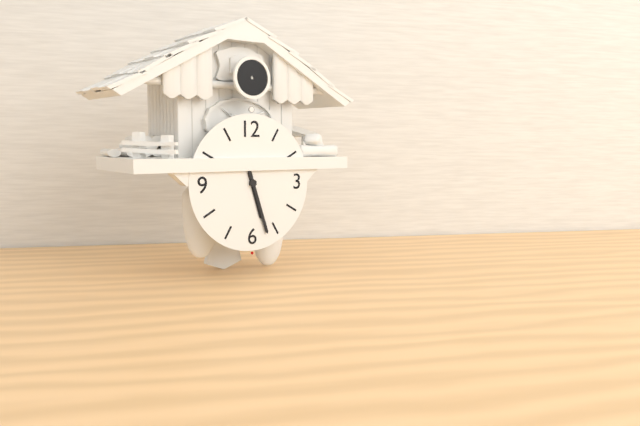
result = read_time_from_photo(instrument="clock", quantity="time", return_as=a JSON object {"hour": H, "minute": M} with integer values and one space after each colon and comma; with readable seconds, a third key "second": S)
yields {"hour": 5, "minute": 27}
